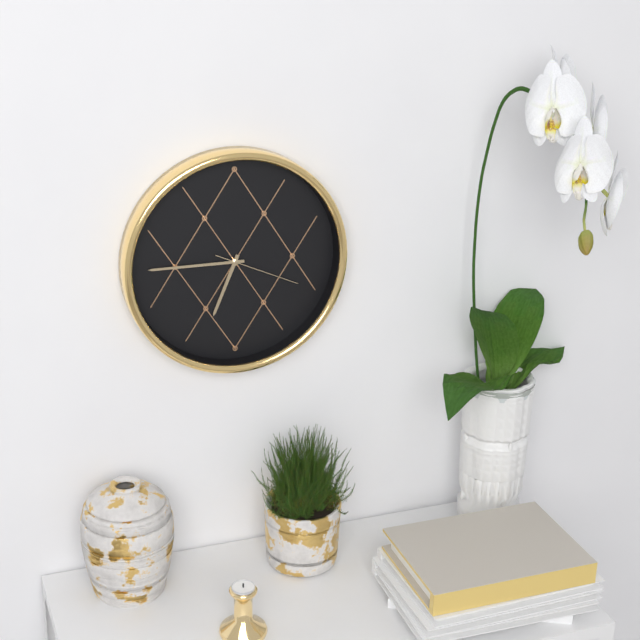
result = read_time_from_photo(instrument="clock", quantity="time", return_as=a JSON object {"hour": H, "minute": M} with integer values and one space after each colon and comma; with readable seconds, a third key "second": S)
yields {"hour": 6, "minute": 45, "second": 19}
